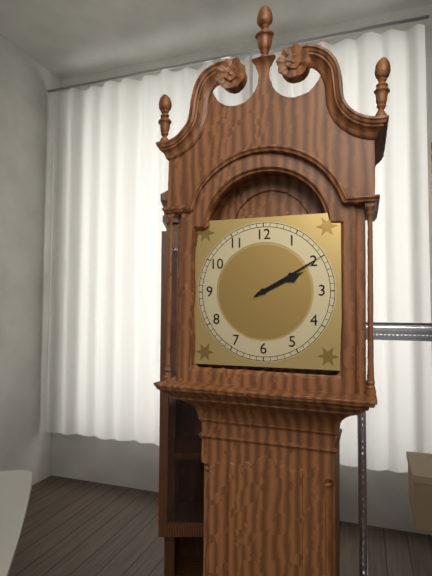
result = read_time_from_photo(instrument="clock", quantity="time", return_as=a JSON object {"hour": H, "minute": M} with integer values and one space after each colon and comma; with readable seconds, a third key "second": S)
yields {"hour": 2, "minute": 10}
